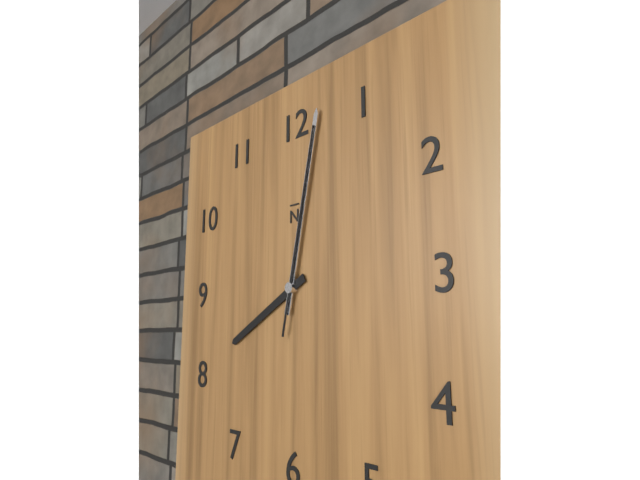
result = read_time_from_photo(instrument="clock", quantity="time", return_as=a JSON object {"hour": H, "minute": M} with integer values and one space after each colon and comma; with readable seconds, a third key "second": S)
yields {"hour": 8, "minute": 2, "second": 2}
